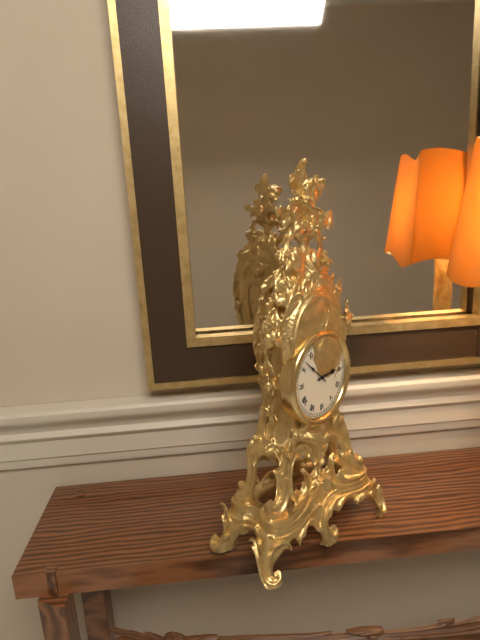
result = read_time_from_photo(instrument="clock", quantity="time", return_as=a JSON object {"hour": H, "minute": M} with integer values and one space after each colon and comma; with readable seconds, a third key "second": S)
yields {"hour": 2, "minute": 52}
